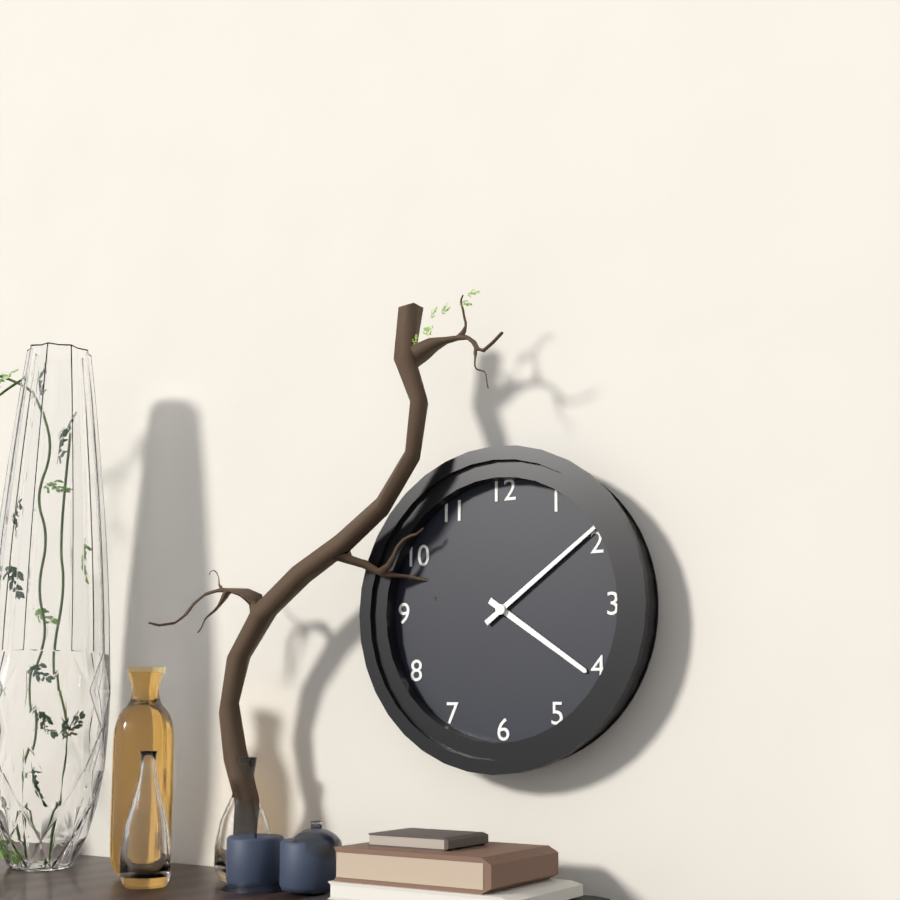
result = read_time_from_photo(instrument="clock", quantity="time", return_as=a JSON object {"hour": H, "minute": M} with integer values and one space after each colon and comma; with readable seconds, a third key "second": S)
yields {"hour": 4, "minute": 9}
